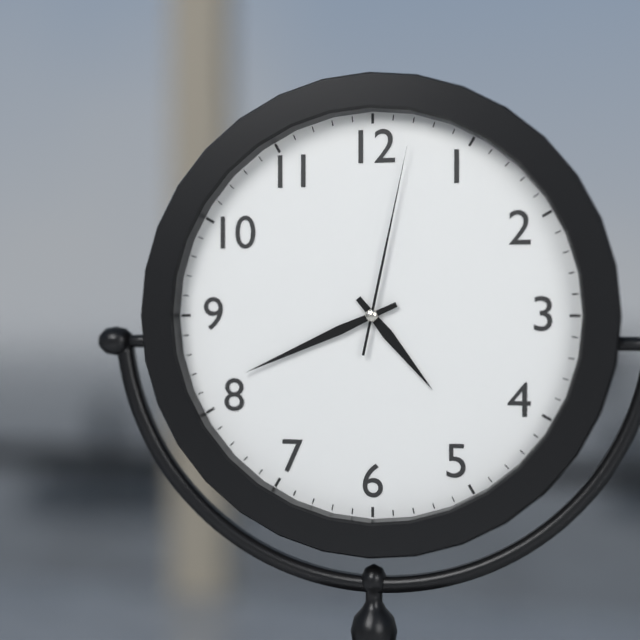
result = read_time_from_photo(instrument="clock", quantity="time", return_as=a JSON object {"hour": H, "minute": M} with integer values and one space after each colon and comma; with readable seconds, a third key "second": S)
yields {"hour": 4, "minute": 41, "second": 2}
